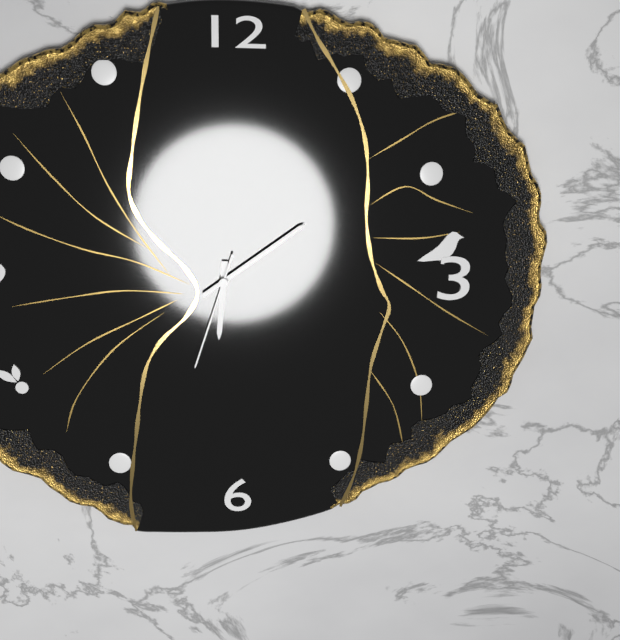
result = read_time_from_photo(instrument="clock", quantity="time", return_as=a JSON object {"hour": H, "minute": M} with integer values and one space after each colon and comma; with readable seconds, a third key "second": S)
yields {"hour": 6, "minute": 9, "second": 33}
